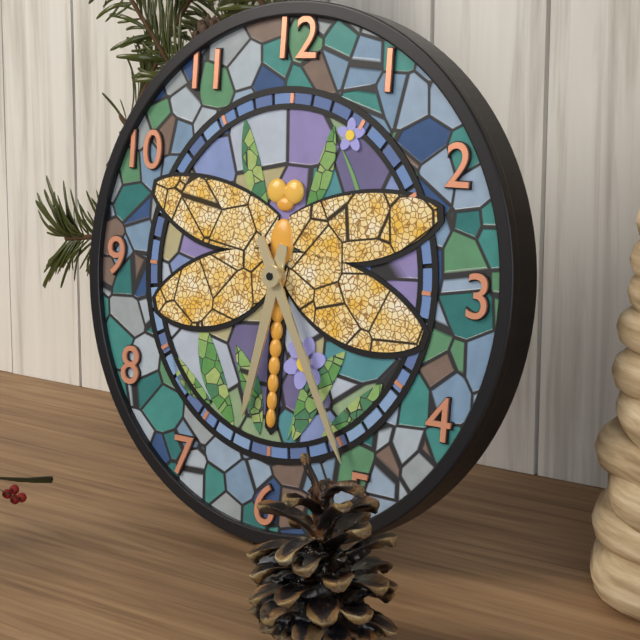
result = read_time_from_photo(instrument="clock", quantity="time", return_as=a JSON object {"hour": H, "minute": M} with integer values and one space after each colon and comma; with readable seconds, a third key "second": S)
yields {"hour": 6, "minute": 25}
